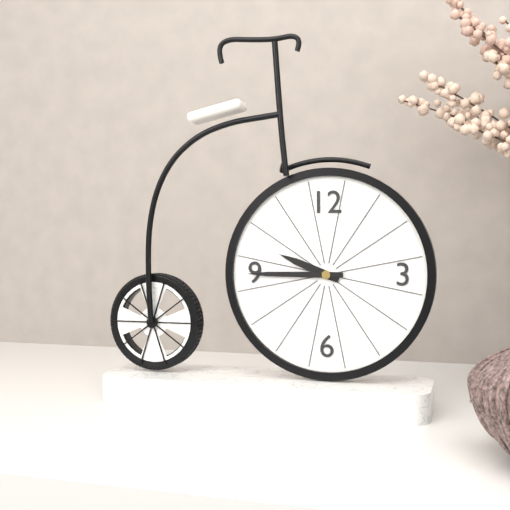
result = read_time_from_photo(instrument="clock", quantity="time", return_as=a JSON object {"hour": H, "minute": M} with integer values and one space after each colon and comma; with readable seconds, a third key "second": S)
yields {"hour": 9, "minute": 45}
